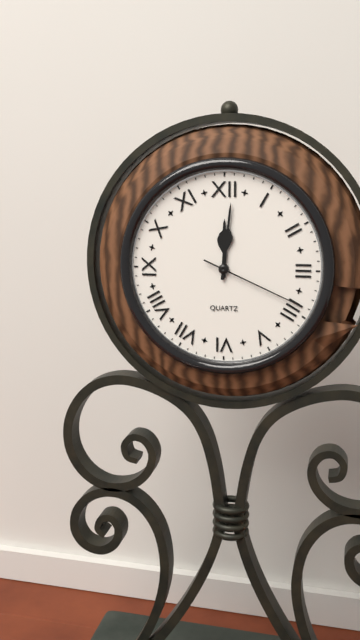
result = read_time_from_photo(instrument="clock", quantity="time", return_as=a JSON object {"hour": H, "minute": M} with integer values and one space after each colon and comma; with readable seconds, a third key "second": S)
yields {"hour": 12, "minute": 1, "second": 19}
